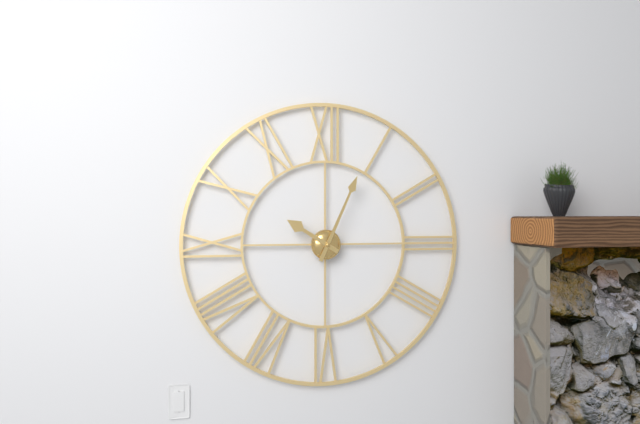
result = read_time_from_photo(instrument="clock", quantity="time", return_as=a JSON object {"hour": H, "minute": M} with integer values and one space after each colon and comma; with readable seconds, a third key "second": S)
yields {"hour": 10, "minute": 4}
